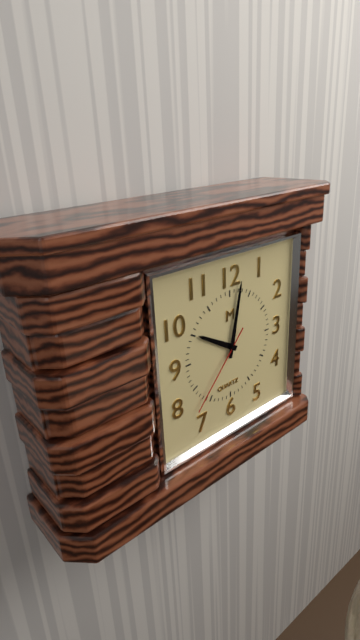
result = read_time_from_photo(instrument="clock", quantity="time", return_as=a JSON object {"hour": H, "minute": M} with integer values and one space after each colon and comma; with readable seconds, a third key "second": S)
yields {"hour": 10, "minute": 2, "second": 37}
